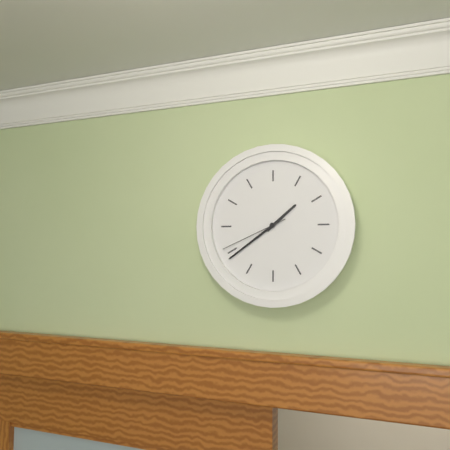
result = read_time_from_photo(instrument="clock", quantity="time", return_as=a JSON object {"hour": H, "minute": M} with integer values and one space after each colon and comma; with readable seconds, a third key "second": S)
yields {"hour": 1, "minute": 39, "second": 41}
